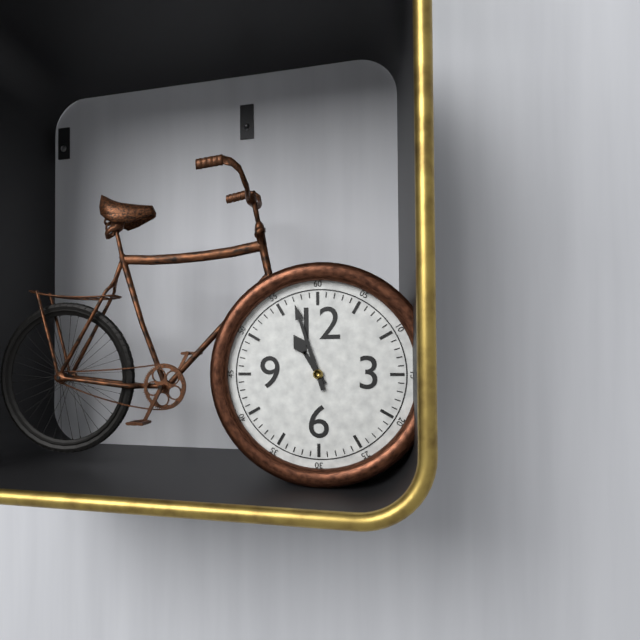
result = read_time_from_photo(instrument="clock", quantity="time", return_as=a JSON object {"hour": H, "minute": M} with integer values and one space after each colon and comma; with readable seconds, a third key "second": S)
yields {"hour": 10, "minute": 57}
